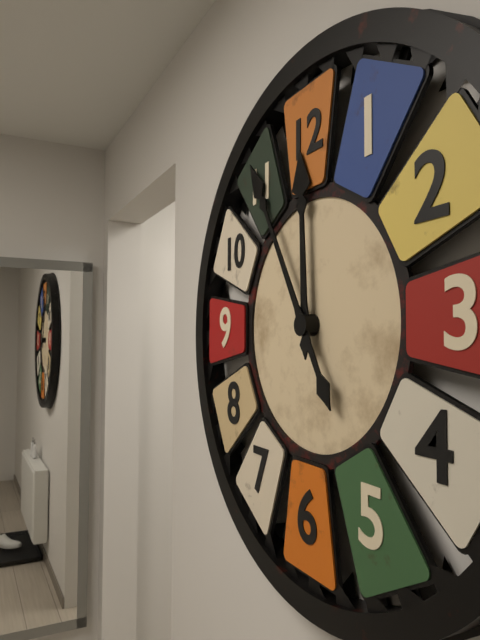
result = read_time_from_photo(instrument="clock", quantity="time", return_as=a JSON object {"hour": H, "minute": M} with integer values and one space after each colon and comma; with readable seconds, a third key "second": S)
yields {"hour": 11, "minute": 55}
